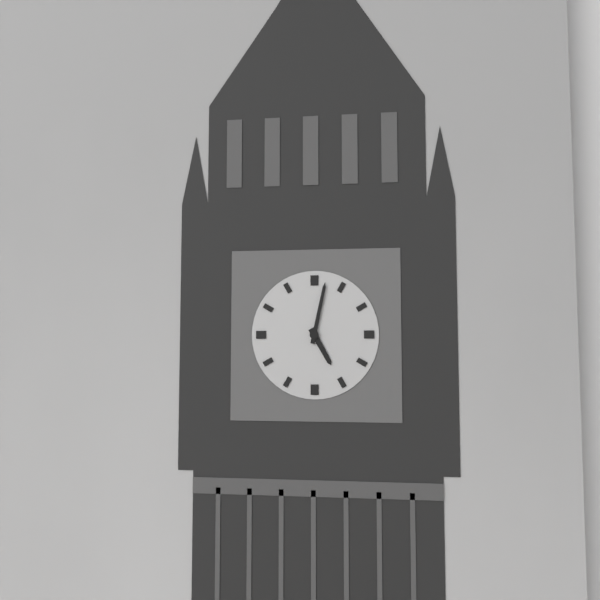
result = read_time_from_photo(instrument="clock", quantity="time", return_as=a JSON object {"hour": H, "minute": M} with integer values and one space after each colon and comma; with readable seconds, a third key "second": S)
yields {"hour": 5, "minute": 2}
